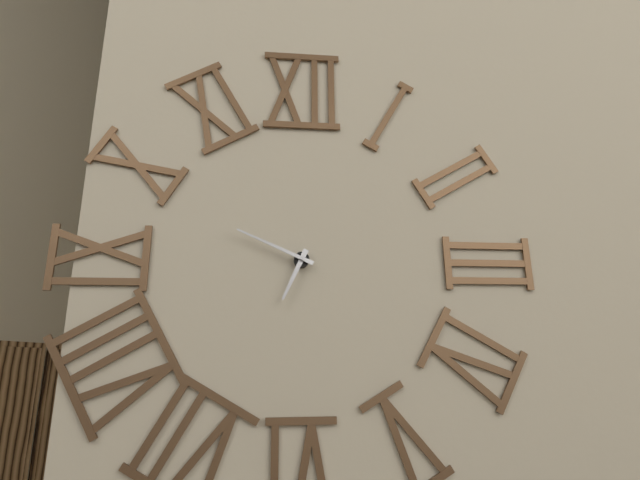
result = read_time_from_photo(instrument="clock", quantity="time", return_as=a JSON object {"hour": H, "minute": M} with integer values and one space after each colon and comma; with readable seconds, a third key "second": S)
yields {"hour": 6, "minute": 49}
